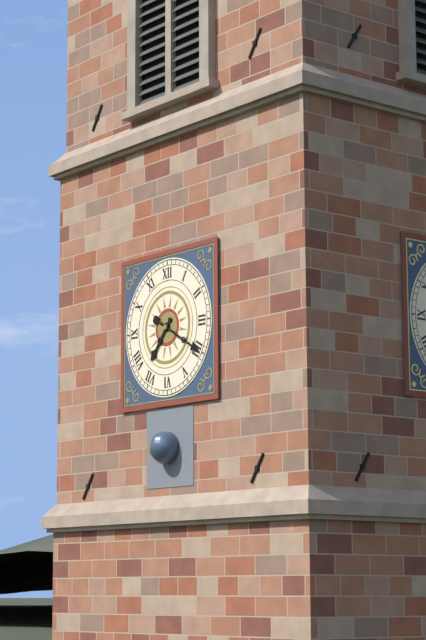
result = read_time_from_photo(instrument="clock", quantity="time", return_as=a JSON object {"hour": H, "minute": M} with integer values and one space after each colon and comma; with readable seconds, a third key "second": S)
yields {"hour": 7, "minute": 20}
